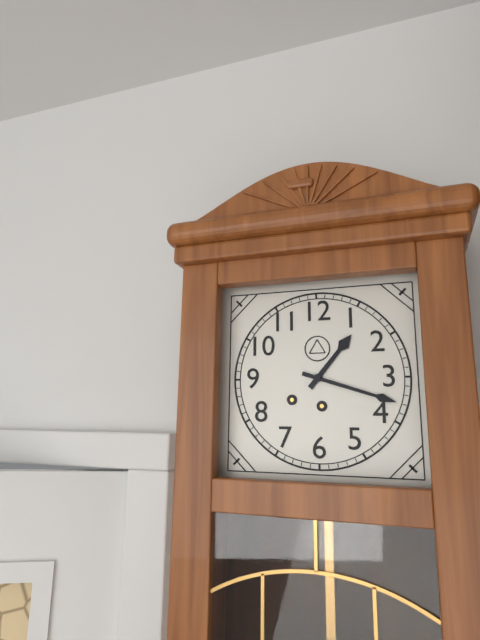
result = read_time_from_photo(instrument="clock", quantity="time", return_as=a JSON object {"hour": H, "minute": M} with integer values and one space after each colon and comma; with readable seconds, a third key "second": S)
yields {"hour": 1, "minute": 18}
